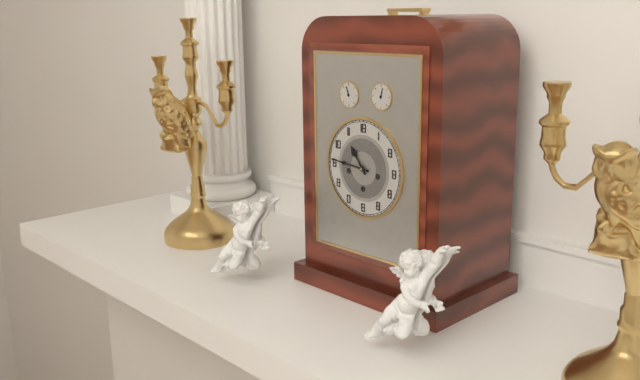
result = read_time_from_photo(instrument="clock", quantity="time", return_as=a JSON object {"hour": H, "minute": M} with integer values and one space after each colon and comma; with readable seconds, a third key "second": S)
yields {"hour": 10, "minute": 46}
